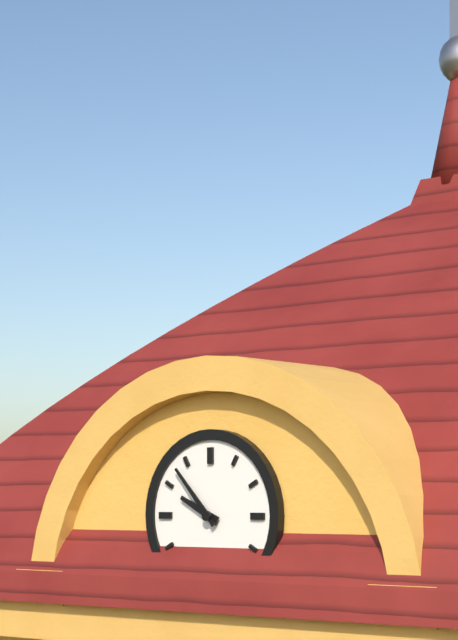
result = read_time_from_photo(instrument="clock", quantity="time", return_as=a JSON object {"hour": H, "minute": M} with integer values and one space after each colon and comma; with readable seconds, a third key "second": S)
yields {"hour": 9, "minute": 53}
